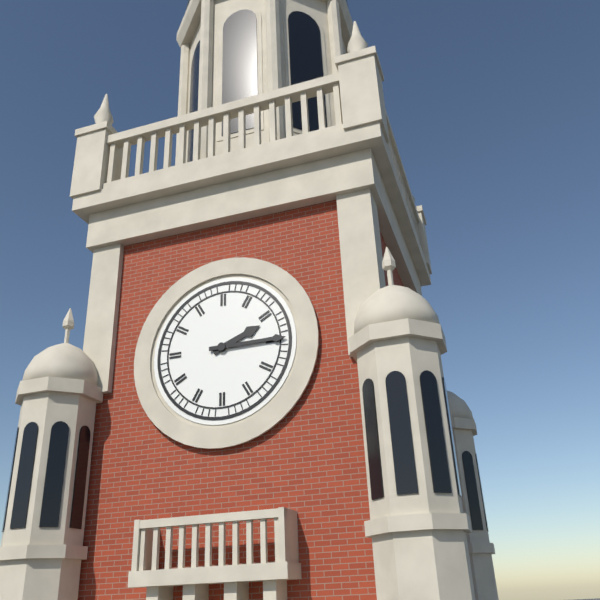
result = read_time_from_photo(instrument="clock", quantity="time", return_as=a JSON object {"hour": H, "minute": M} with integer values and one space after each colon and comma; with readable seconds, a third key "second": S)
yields {"hour": 2, "minute": 15}
